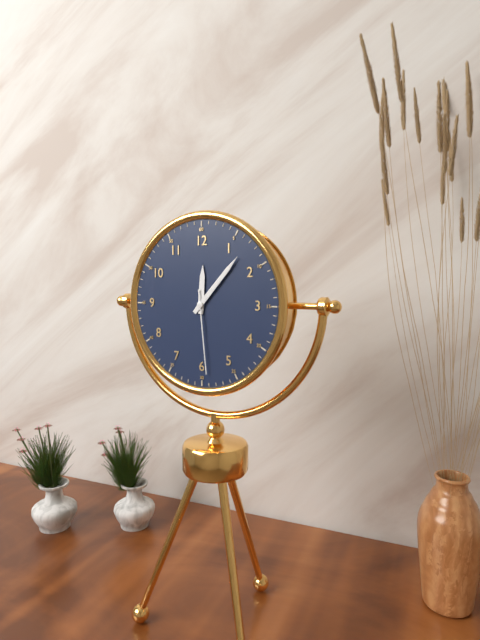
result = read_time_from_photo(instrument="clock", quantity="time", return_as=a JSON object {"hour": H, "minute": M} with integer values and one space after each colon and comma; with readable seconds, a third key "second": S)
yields {"hour": 12, "minute": 7, "second": 29}
